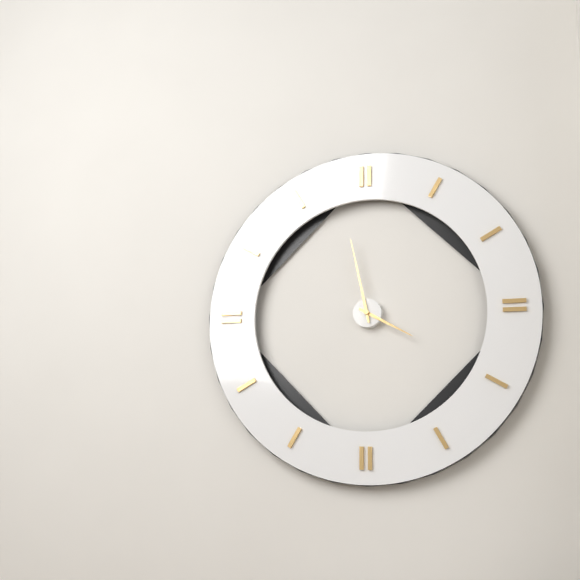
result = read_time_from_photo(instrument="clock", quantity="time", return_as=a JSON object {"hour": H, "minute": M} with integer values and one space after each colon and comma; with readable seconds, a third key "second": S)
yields {"hour": 3, "minute": 58}
